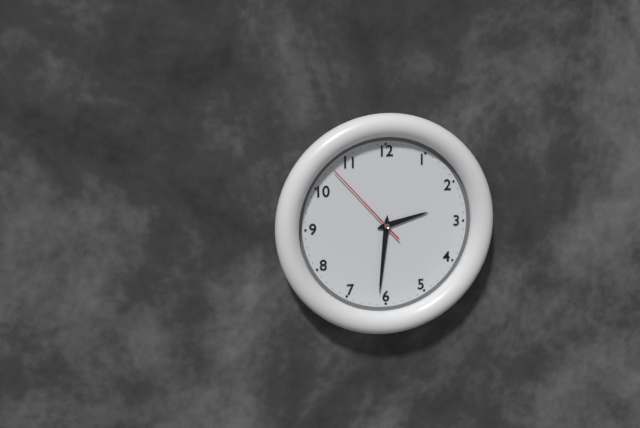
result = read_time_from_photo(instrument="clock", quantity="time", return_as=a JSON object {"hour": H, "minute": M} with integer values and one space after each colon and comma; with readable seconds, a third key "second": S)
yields {"hour": 2, "minute": 31, "second": 53}
